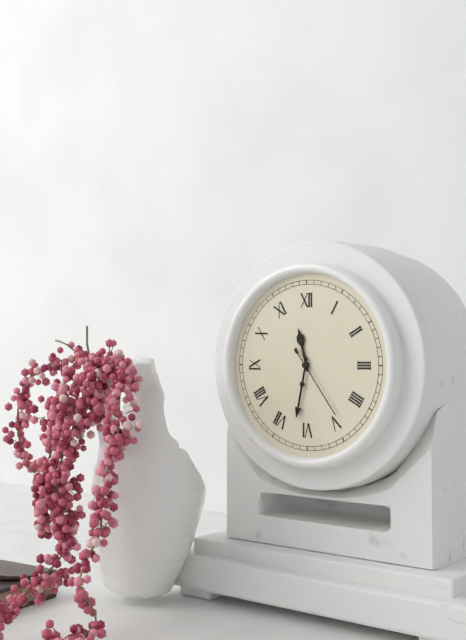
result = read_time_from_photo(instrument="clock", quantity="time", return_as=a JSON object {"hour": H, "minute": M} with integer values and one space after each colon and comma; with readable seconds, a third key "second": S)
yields {"hour": 11, "minute": 32, "second": 24}
